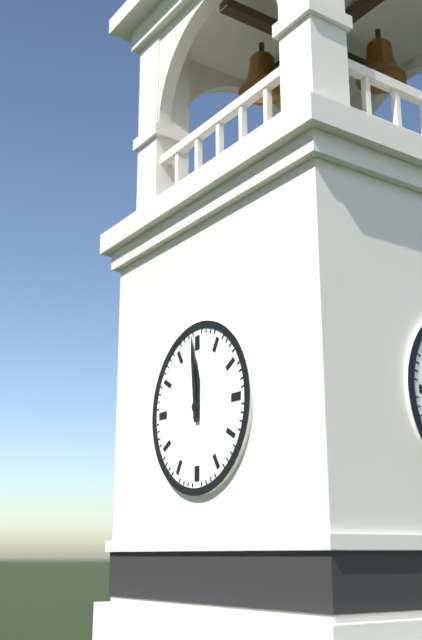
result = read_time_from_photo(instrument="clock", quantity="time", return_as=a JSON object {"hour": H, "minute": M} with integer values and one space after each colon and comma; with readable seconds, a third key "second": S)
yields {"hour": 11, "minute": 59}
